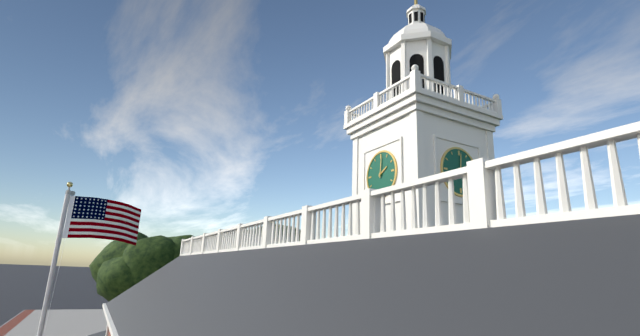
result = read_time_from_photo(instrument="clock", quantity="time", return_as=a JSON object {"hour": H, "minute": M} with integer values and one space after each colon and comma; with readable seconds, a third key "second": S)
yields {"hour": 2, "minute": 1}
